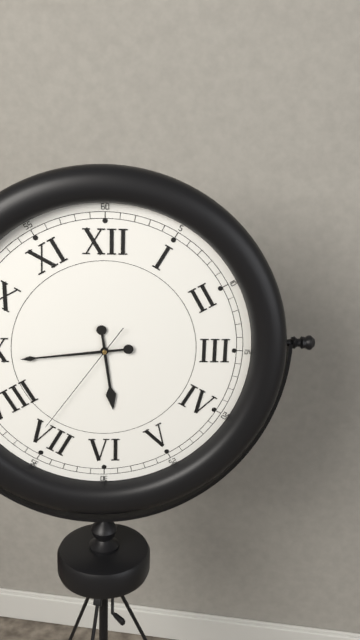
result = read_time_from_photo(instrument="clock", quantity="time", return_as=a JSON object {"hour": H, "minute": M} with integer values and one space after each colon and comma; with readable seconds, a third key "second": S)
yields {"hour": 5, "minute": 44, "second": 36}
